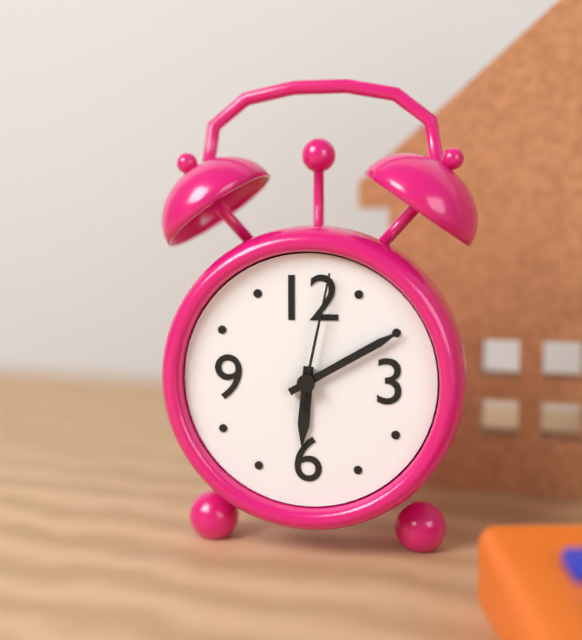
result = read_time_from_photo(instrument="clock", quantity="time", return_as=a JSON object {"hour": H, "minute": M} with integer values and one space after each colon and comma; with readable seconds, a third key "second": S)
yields {"hour": 6, "minute": 10, "second": 2}
